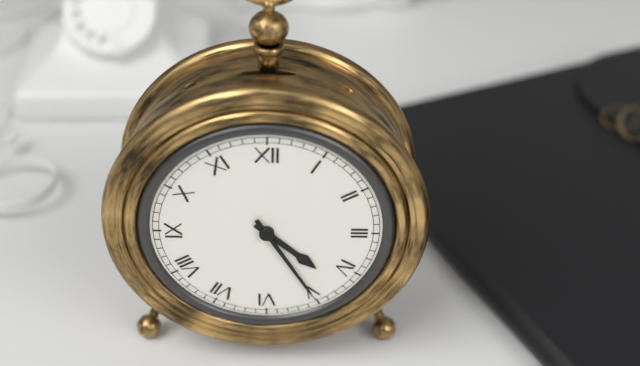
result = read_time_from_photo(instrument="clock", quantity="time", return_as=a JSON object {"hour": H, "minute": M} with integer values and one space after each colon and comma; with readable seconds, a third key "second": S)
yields {"hour": 4, "minute": 25}
